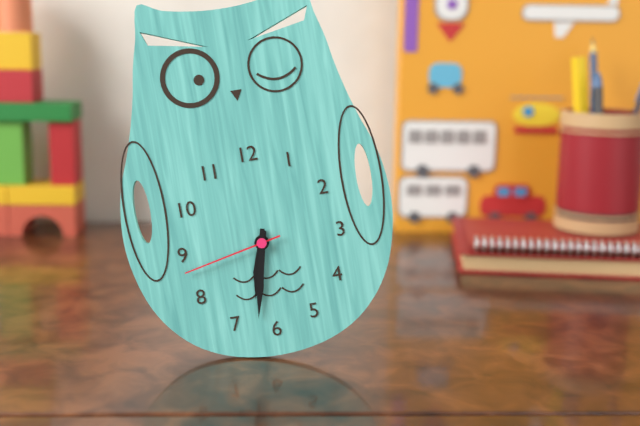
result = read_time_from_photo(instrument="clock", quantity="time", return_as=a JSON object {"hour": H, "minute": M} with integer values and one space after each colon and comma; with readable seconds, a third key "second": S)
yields {"hour": 6, "minute": 32, "second": 43}
